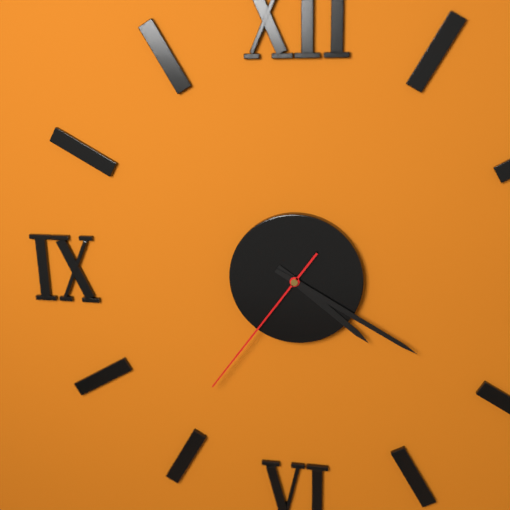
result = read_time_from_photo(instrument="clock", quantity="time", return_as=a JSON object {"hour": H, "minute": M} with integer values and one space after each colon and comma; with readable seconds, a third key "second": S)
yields {"hour": 4, "minute": 20, "second": 36}
